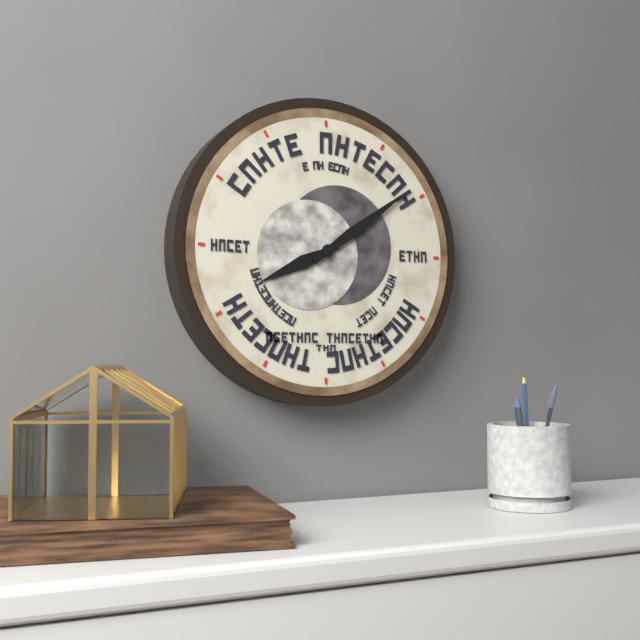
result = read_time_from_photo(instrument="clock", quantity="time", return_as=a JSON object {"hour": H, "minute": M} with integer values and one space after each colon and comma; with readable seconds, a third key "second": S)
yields {"hour": 8, "minute": 9}
